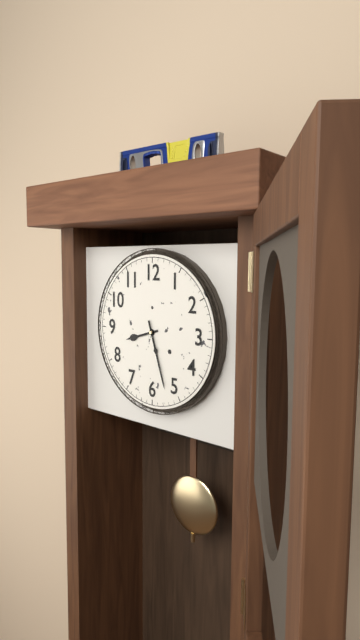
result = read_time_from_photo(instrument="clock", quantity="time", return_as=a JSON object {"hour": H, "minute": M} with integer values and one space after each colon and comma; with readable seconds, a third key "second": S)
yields {"hour": 8, "minute": 27}
